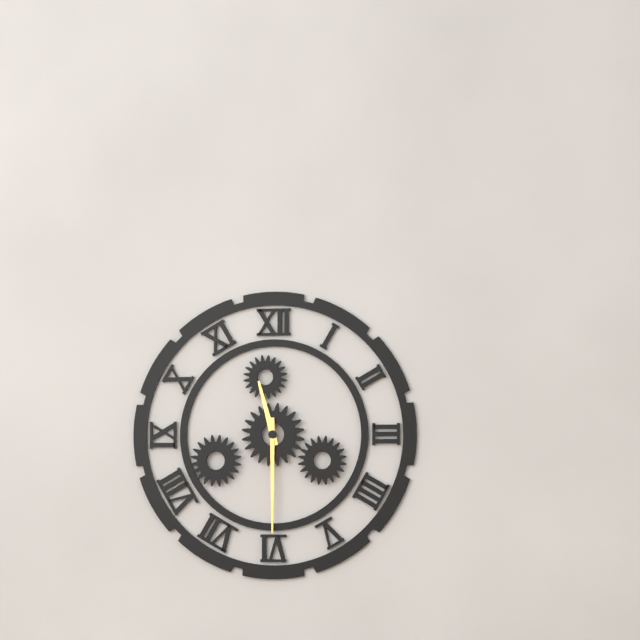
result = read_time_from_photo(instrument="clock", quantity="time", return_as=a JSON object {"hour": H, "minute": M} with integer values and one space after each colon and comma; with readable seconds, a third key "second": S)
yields {"hour": 11, "minute": 30}
